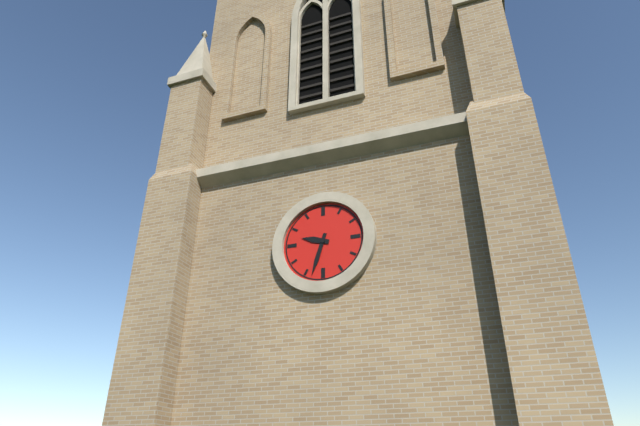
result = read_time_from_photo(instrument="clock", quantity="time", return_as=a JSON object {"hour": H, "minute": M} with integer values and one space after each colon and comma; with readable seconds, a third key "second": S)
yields {"hour": 9, "minute": 33}
